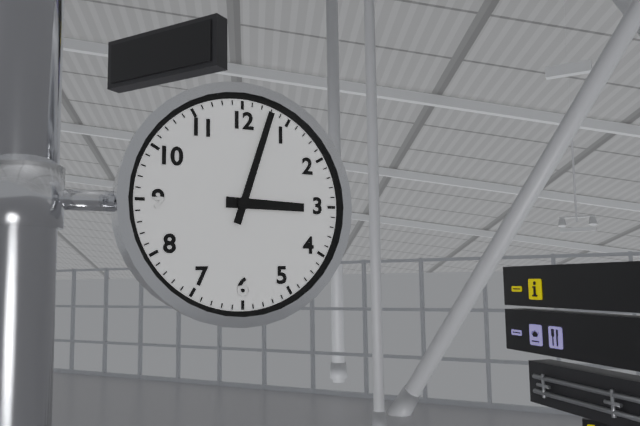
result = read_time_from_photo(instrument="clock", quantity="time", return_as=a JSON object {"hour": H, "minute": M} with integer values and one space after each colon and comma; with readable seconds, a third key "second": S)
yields {"hour": 3, "minute": 3}
